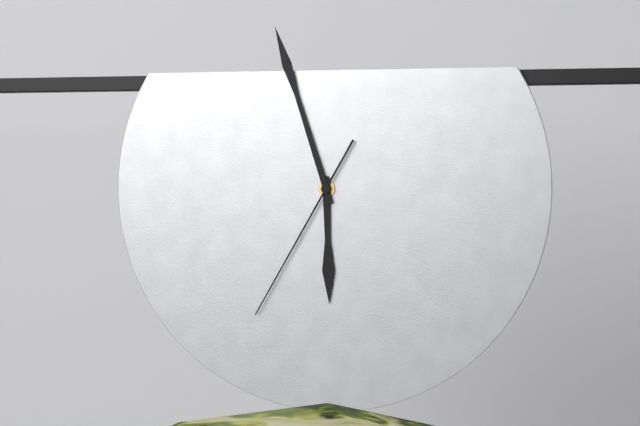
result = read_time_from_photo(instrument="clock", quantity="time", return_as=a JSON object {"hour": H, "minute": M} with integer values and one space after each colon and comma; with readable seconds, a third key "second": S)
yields {"hour": 5, "minute": 57, "second": 35}
